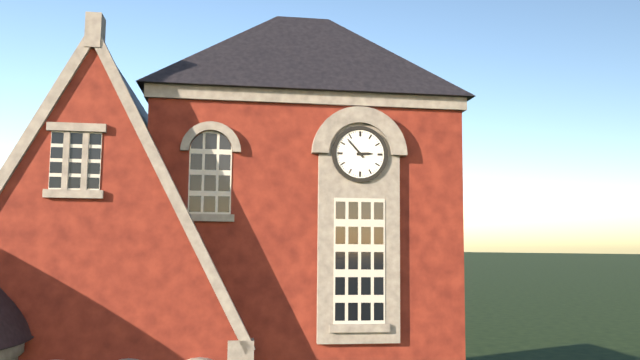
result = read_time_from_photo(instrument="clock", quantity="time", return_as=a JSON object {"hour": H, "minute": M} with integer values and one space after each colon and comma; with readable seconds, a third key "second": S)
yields {"hour": 2, "minute": 53}
